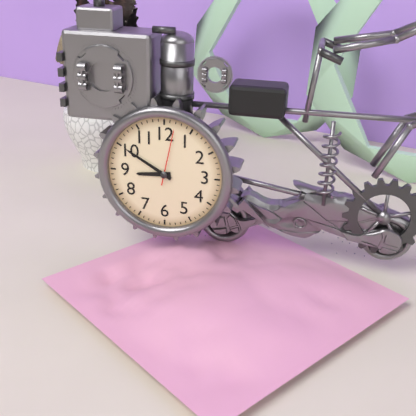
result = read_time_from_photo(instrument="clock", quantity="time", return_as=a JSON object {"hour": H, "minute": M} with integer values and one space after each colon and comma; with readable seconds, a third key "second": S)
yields {"hour": 8, "minute": 50, "second": 2}
